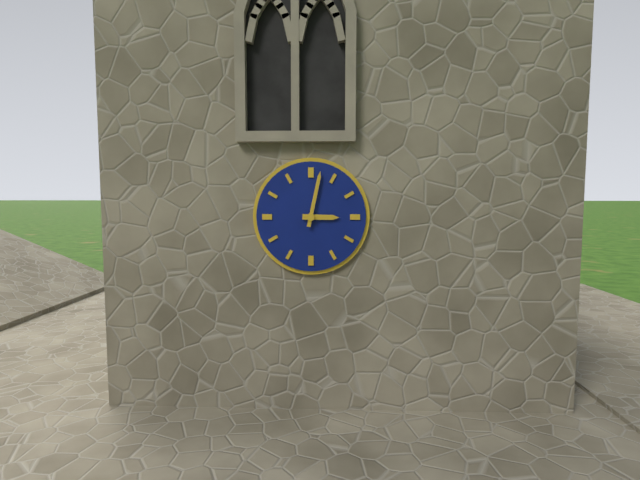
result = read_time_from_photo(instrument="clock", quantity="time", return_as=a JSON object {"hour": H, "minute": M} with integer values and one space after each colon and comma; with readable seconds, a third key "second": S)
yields {"hour": 3, "minute": 2}
